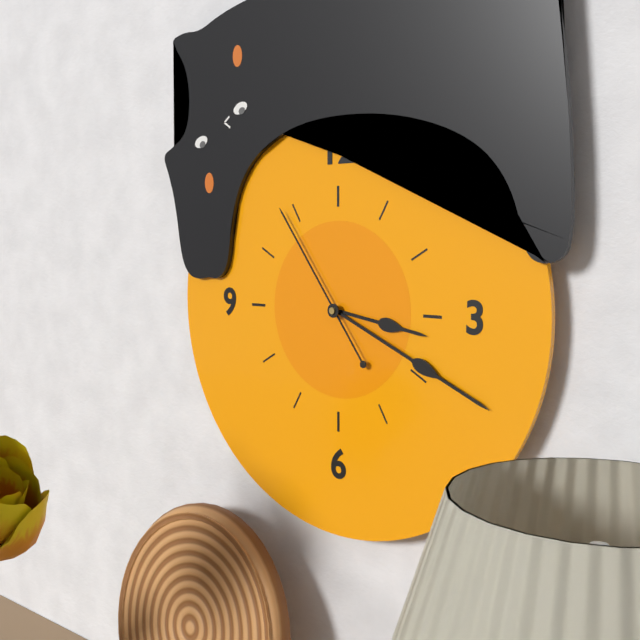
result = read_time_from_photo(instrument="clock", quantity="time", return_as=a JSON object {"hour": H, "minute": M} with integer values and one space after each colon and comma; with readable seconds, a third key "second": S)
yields {"hour": 3, "minute": 19, "second": 54}
